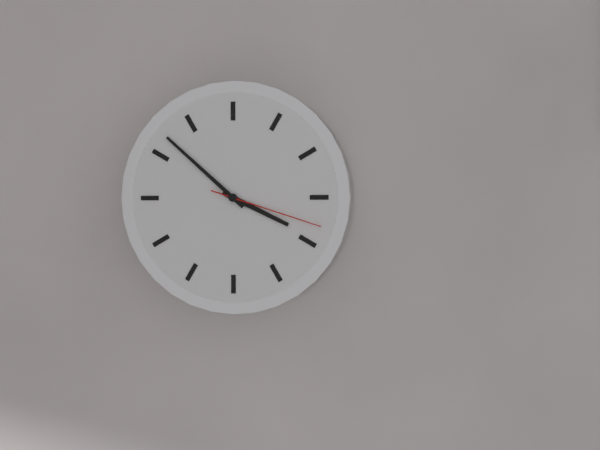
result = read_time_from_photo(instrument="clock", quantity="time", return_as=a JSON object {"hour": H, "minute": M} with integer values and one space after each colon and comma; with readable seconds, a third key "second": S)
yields {"hour": 3, "minute": 52, "second": 18}
